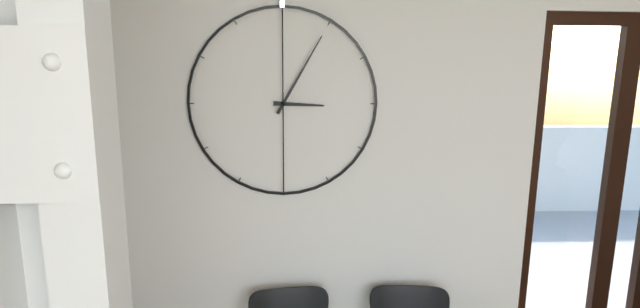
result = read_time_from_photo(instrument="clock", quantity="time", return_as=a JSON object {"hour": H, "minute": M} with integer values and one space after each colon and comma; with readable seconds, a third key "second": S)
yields {"hour": 3, "minute": 5}
